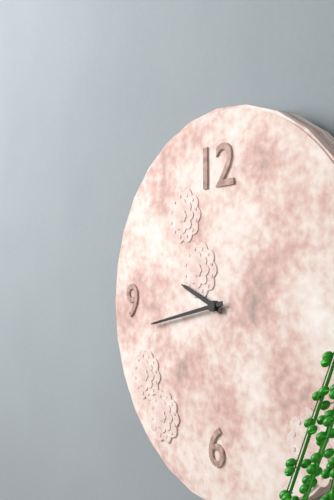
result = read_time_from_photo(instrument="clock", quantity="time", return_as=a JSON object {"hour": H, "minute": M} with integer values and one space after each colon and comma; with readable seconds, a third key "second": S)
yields {"hour": 9, "minute": 43}
